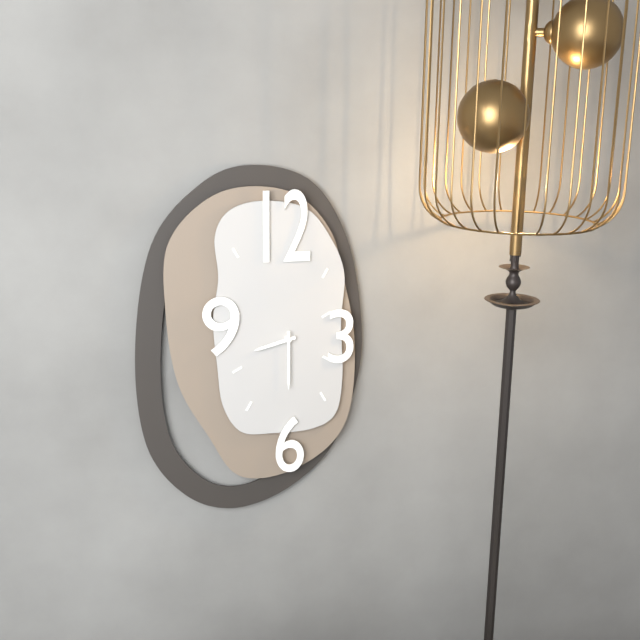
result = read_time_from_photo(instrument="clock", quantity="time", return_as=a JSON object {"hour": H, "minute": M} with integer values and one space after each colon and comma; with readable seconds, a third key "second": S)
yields {"hour": 8, "minute": 30}
